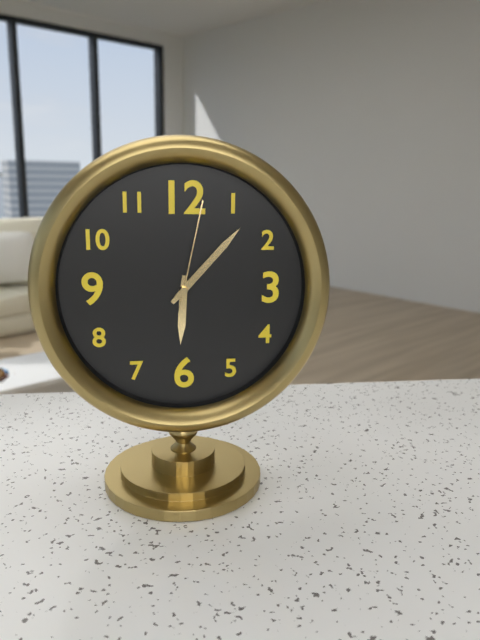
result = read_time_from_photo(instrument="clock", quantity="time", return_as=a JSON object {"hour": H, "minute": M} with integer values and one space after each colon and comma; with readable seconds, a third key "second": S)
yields {"hour": 6, "minute": 7, "second": 2}
